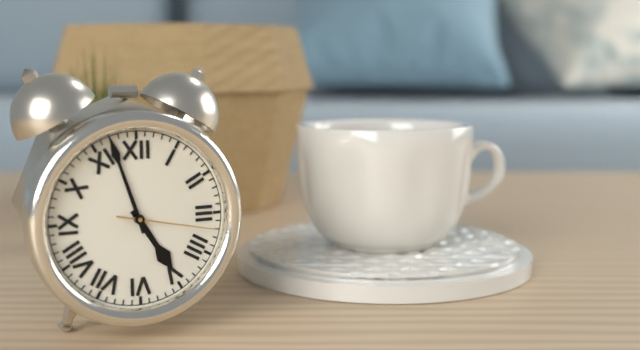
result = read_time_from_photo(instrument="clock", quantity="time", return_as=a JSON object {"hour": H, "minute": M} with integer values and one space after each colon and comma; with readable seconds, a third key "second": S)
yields {"hour": 4, "minute": 57, "second": 17}
